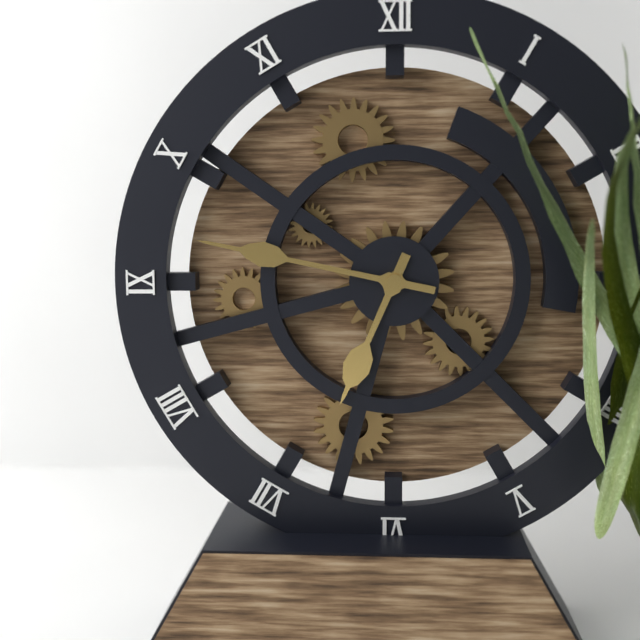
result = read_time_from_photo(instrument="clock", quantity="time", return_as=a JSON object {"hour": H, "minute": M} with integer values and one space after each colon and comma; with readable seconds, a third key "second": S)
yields {"hour": 6, "minute": 47}
